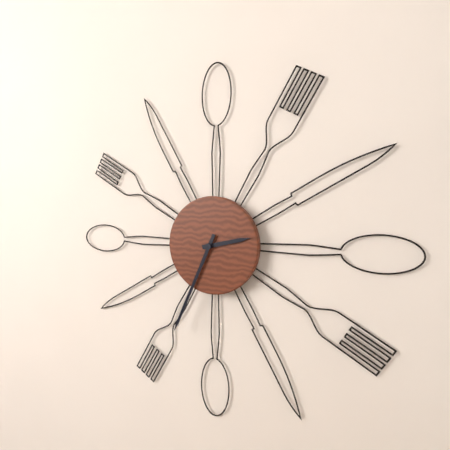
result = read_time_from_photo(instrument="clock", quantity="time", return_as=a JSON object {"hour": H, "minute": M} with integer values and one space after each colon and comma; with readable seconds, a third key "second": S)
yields {"hour": 2, "minute": 34}
